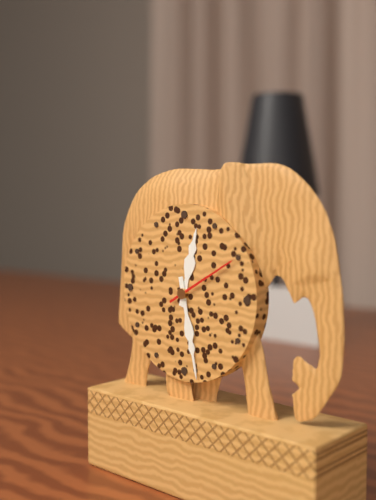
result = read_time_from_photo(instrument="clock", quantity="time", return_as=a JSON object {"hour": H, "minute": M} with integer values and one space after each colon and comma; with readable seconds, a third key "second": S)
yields {"hour": 12, "minute": 28, "second": 10}
